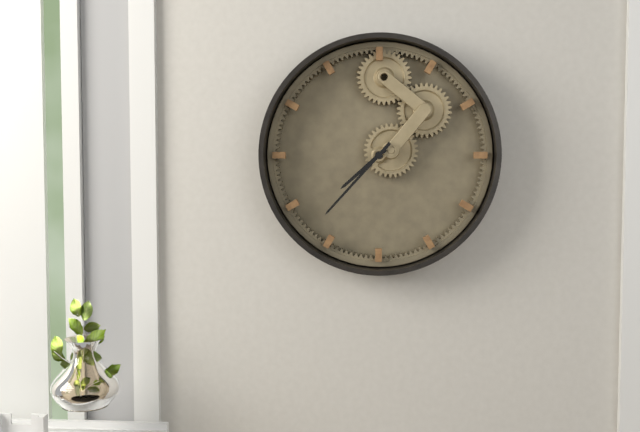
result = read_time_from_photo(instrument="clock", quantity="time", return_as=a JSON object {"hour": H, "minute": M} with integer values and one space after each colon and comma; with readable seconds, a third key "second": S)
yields {"hour": 7, "minute": 37}
